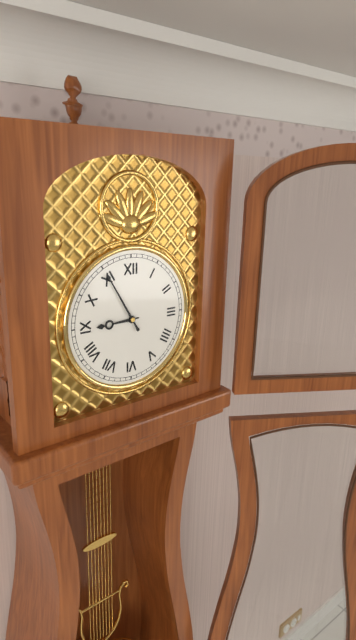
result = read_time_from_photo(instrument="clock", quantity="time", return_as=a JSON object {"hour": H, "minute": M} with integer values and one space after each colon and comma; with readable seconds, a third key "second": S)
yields {"hour": 8, "minute": 55}
